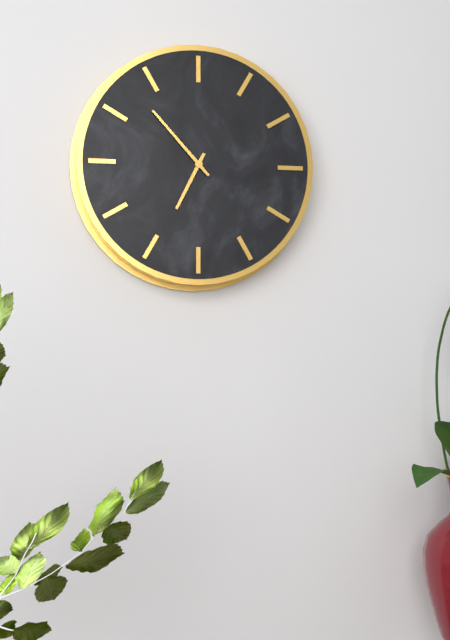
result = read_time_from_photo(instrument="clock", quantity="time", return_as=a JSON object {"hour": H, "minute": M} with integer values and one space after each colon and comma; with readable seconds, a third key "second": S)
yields {"hour": 6, "minute": 53}
